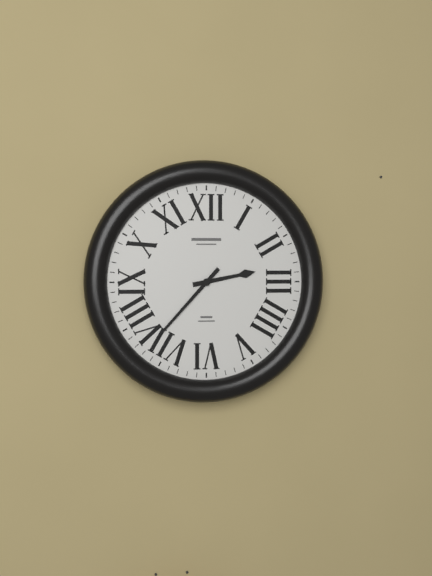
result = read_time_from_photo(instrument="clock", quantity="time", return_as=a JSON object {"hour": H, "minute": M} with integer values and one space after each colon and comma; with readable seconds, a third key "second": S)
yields {"hour": 2, "minute": 37}
